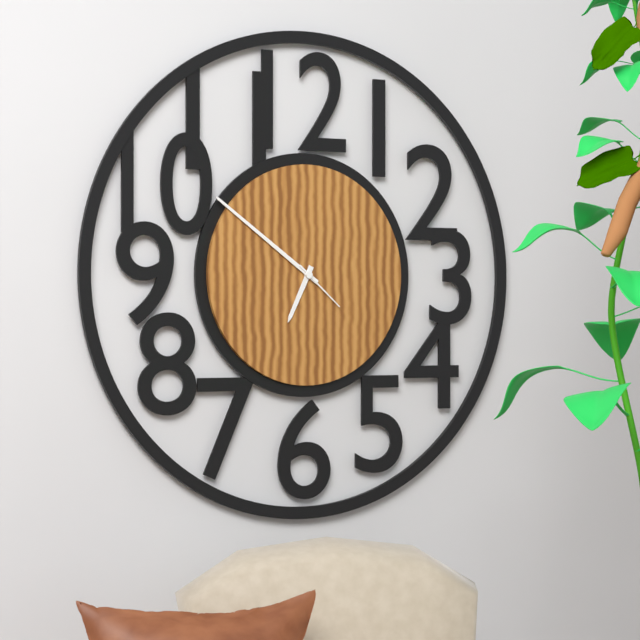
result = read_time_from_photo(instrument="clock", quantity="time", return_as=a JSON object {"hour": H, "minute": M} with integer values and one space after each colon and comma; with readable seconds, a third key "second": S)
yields {"hour": 6, "minute": 51, "second": 22}
